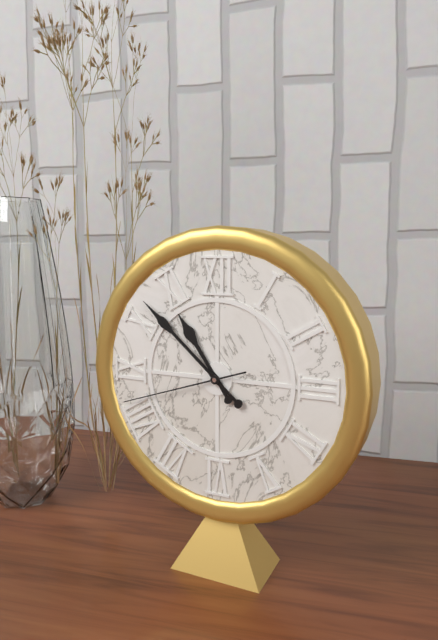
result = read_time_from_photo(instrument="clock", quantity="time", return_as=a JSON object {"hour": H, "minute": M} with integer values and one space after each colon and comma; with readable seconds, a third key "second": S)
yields {"hour": 10, "minute": 52, "second": 42}
